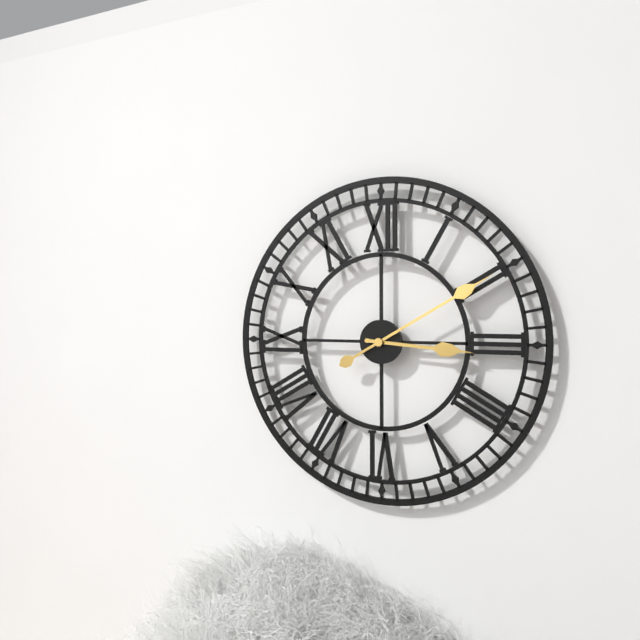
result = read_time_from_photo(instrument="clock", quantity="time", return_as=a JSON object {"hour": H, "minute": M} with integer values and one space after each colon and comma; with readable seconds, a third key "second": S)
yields {"hour": 3, "minute": 10}
